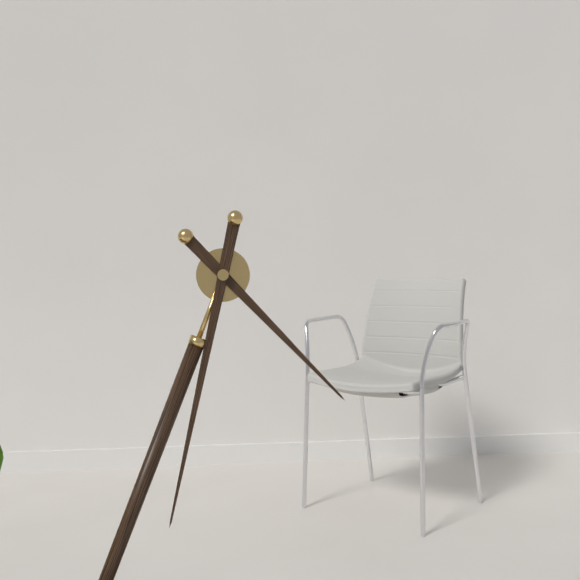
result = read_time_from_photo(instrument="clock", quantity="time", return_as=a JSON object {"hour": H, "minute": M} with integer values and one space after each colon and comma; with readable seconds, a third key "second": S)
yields {"hour": 4, "minute": 32}
